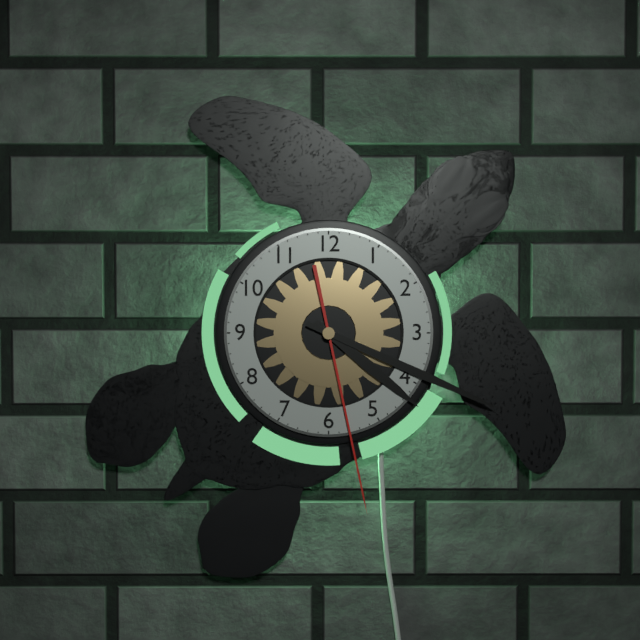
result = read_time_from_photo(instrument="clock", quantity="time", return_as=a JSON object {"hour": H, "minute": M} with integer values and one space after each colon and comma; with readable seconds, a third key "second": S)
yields {"hour": 4, "minute": 19, "second": 28}
